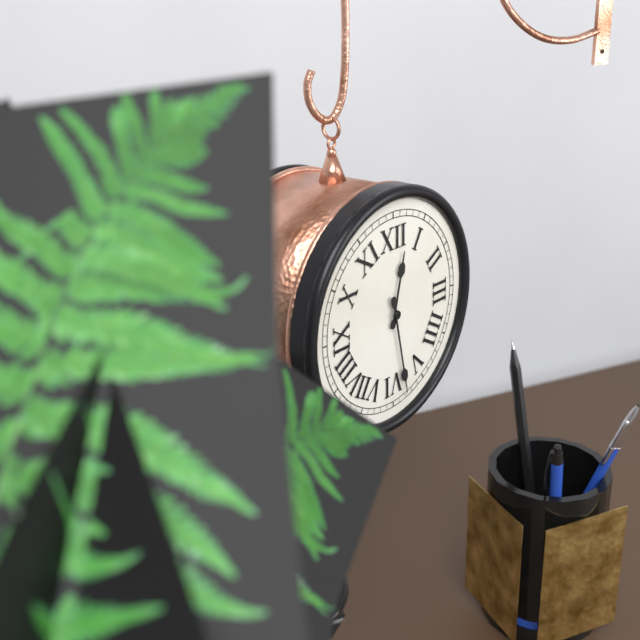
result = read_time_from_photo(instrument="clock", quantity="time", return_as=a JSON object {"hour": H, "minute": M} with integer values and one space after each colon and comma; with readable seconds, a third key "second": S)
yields {"hour": 12, "minute": 28}
